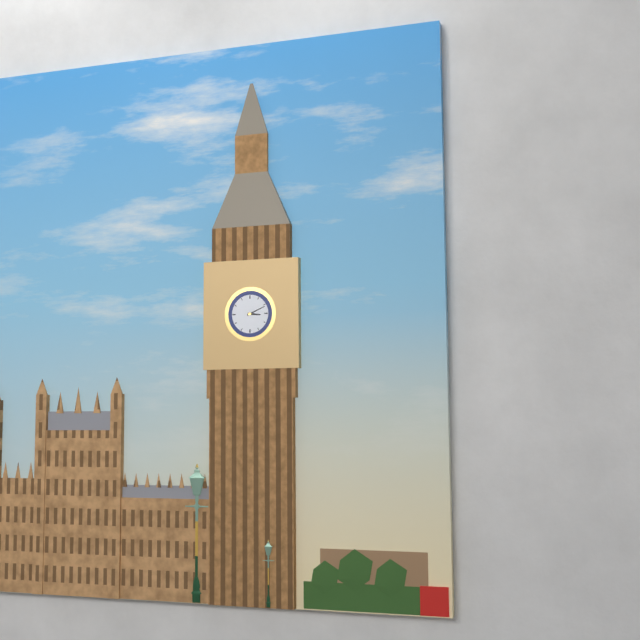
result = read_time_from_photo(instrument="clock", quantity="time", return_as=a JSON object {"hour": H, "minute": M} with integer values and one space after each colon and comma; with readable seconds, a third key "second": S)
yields {"hour": 3, "minute": 11}
